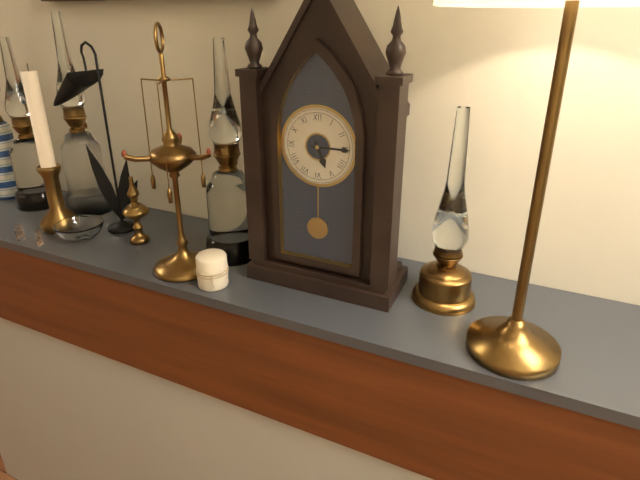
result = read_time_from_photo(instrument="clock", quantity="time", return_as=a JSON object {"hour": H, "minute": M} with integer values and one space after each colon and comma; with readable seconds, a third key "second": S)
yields {"hour": 5, "minute": 15}
